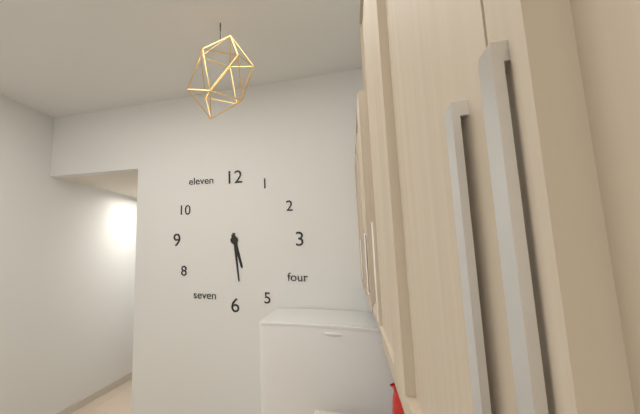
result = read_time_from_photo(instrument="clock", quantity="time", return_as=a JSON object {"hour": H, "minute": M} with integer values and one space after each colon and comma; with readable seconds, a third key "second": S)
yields {"hour": 5, "minute": 29}
